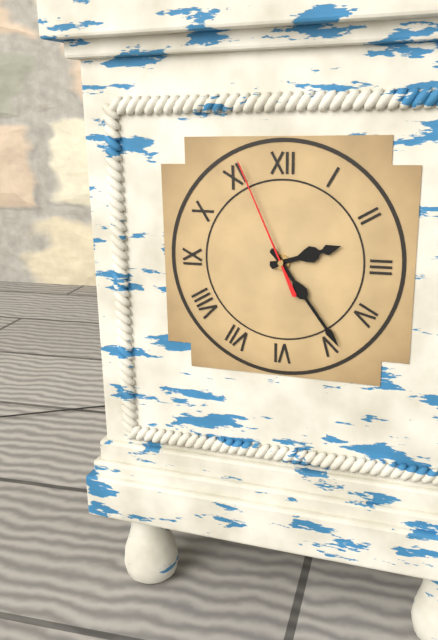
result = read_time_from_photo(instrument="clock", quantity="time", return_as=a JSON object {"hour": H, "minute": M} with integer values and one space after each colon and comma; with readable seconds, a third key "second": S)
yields {"hour": 2, "minute": 24, "second": 56}
